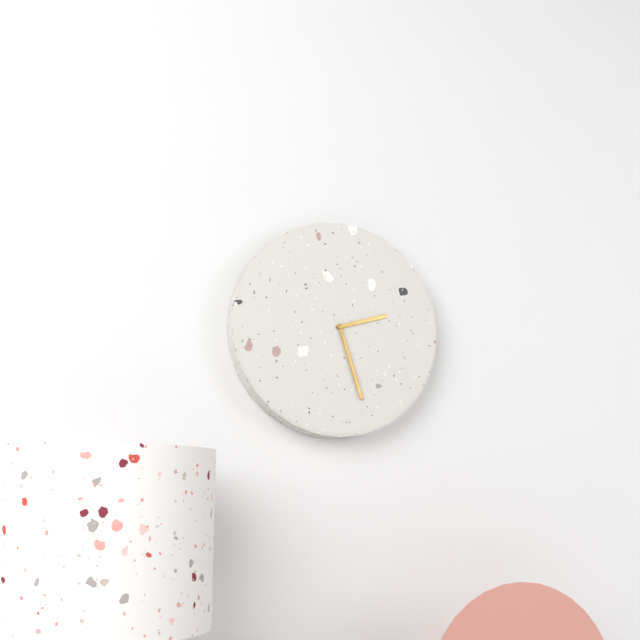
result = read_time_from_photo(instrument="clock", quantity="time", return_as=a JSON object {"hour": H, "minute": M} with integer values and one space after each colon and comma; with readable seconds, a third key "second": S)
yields {"hour": 2, "minute": 27}
